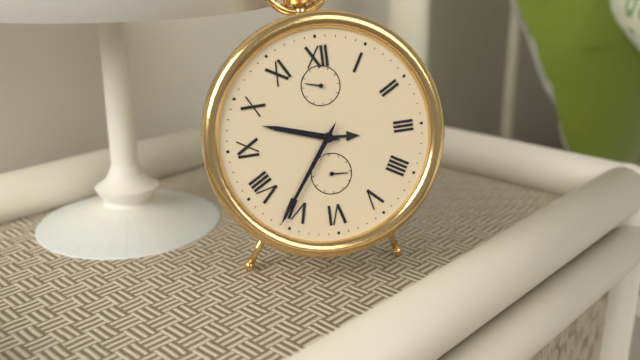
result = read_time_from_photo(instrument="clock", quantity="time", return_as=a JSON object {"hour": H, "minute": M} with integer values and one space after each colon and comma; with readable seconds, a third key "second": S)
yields {"hour": 9, "minute": 36}
